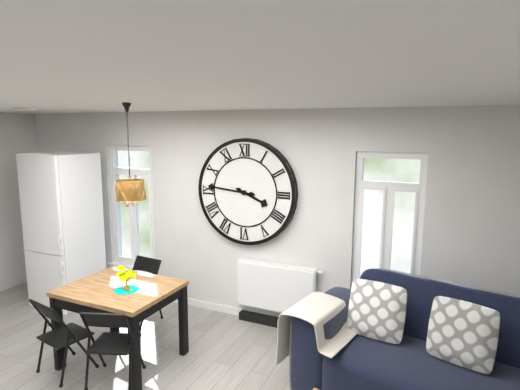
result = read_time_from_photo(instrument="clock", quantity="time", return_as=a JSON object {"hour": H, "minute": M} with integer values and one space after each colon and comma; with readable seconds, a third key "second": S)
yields {"hour": 3, "minute": 46}
